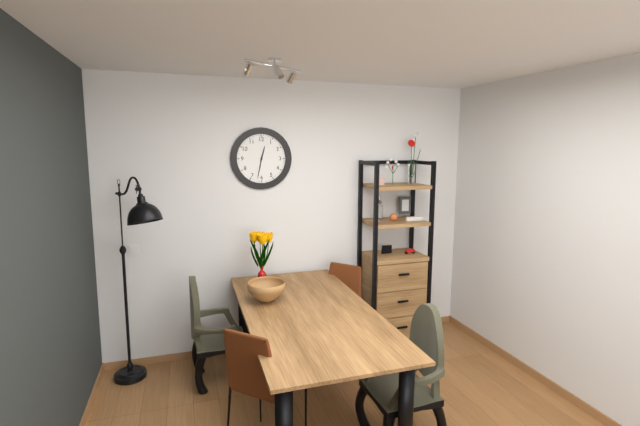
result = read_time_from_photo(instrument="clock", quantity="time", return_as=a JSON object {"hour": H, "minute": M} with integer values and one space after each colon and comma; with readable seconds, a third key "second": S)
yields {"hour": 12, "minute": 32}
